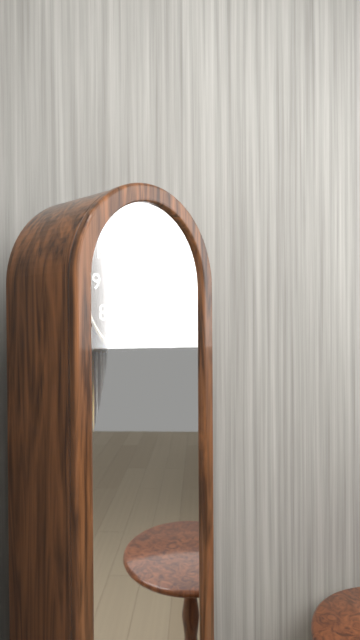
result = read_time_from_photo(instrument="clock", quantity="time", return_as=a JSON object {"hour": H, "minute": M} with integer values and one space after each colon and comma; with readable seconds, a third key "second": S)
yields {"hour": 12, "minute": 31}
